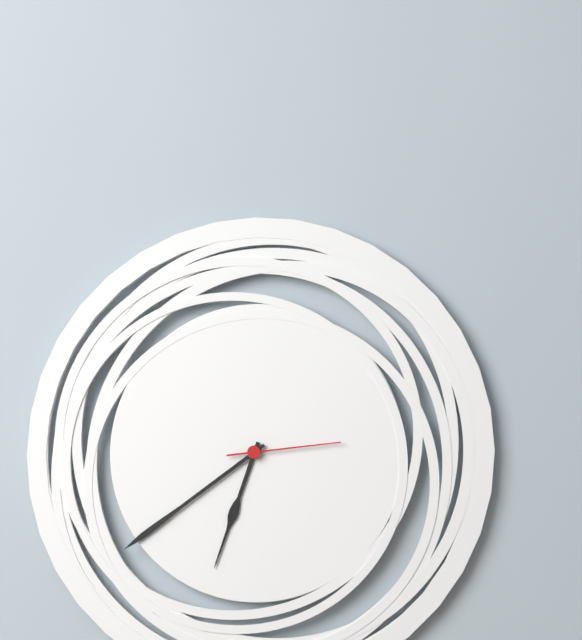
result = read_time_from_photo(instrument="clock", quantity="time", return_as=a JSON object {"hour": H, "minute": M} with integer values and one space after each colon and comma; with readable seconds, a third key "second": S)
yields {"hour": 6, "minute": 39, "second": 14}
